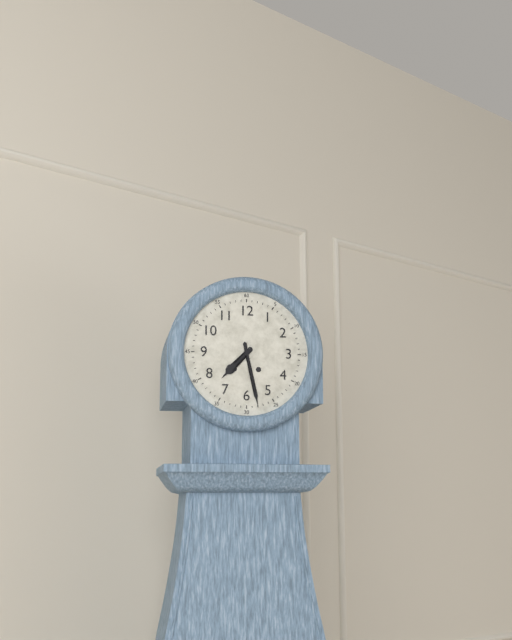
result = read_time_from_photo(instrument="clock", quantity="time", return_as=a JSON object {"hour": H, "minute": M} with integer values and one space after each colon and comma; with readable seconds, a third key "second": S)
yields {"hour": 7, "minute": 28}
